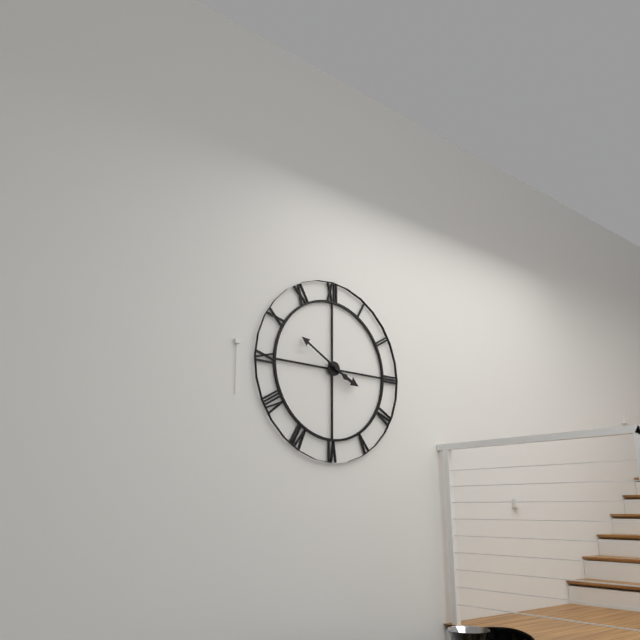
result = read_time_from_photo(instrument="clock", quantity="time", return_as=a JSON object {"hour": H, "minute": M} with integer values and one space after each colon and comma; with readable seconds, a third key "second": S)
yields {"hour": 3, "minute": 50}
